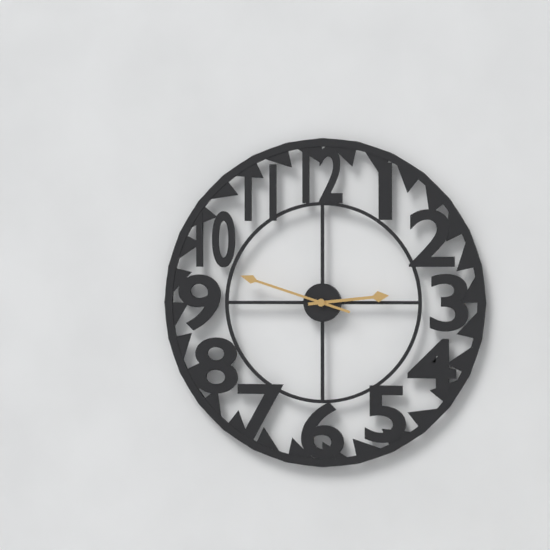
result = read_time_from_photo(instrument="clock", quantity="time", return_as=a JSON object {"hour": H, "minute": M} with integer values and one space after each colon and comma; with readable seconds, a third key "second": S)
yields {"hour": 2, "minute": 48}
